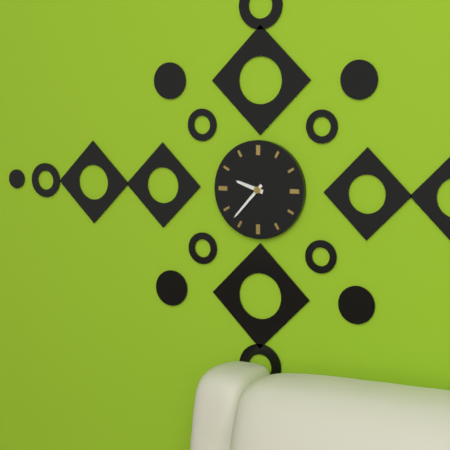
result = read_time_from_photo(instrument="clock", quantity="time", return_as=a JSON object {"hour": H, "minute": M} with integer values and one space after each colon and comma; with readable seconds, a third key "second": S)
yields {"hour": 9, "minute": 37}
